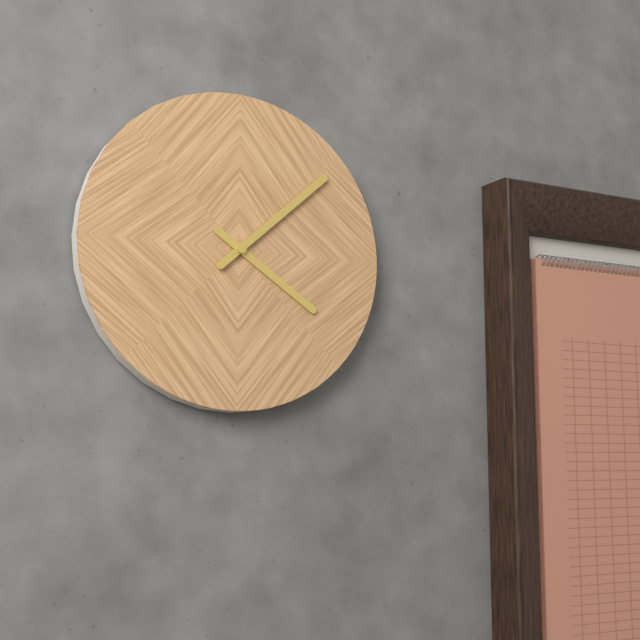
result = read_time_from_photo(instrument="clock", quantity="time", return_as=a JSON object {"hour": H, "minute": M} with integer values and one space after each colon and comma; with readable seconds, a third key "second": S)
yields {"hour": 4, "minute": 8}
